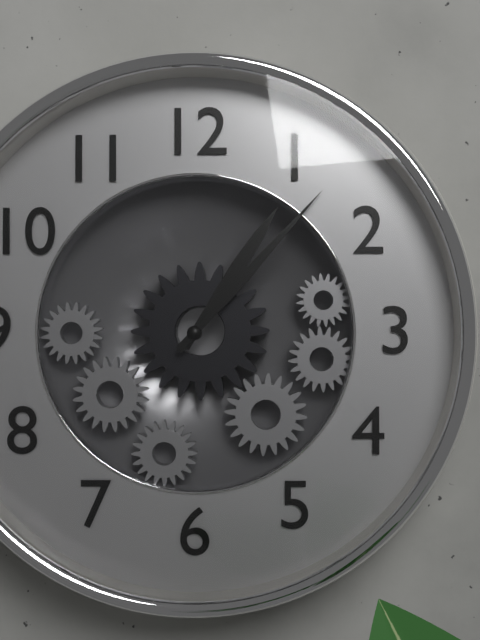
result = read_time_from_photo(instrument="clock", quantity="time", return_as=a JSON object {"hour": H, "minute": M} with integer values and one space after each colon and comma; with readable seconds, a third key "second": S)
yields {"hour": 1, "minute": 7}
